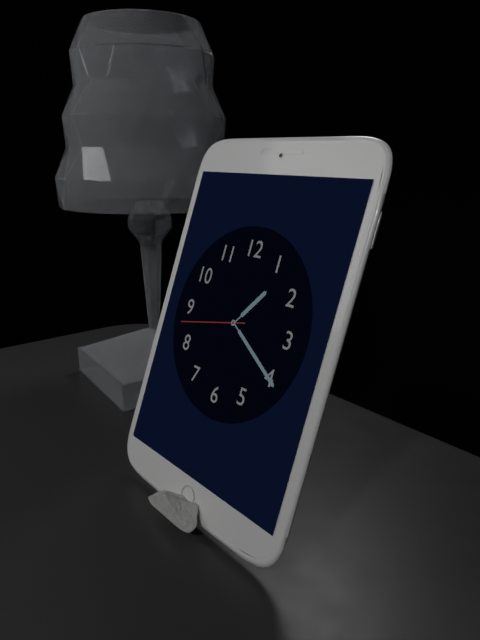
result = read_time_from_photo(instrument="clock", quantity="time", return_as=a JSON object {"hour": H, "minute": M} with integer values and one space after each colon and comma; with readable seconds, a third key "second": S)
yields {"hour": 1, "minute": 20, "second": 43}
